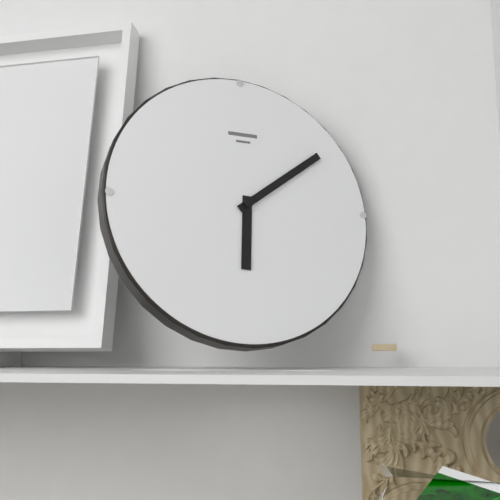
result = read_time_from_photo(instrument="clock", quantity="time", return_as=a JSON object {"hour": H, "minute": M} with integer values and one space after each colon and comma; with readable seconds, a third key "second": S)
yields {"hour": 6, "minute": 9}
